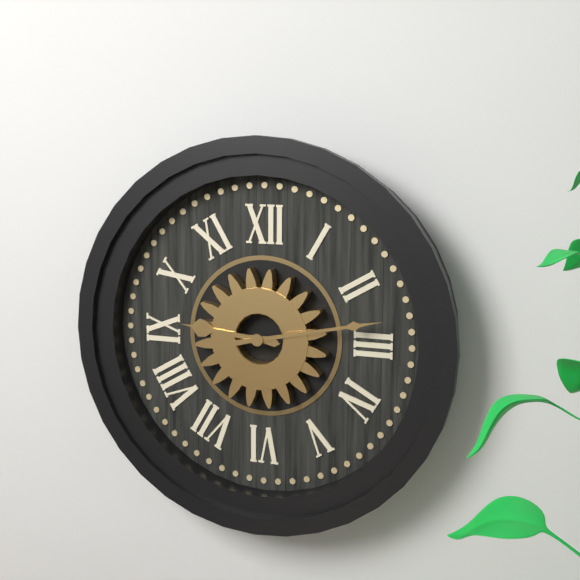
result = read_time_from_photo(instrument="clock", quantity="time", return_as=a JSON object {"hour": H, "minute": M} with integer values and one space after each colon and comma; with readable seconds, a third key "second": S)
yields {"hour": 9, "minute": 13}
